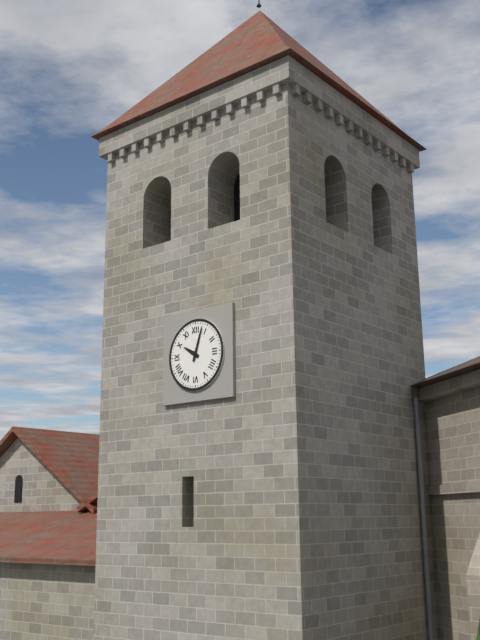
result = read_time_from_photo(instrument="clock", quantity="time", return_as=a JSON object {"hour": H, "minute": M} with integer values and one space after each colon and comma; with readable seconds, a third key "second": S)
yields {"hour": 10, "minute": 3}
